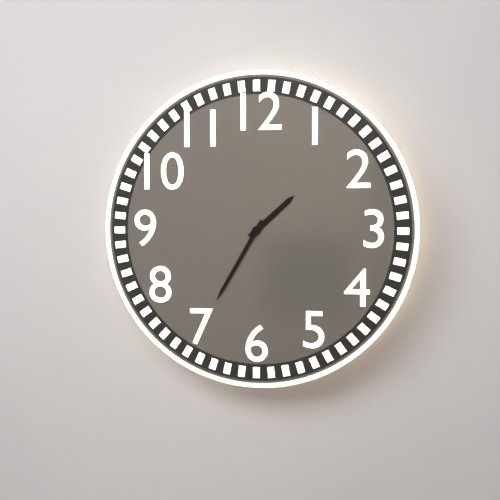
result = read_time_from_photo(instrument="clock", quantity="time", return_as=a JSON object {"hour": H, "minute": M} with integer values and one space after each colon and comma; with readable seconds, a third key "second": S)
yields {"hour": 1, "minute": 35}
